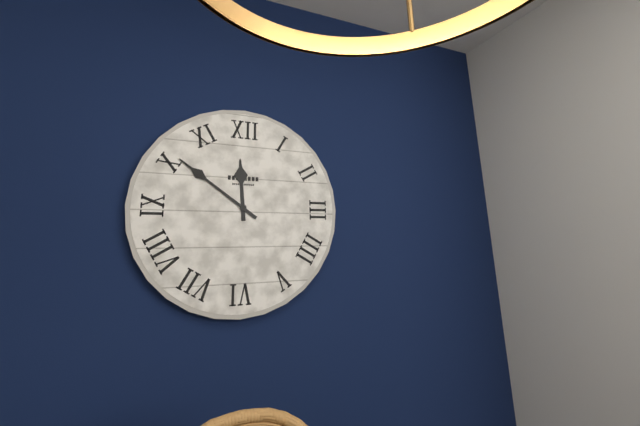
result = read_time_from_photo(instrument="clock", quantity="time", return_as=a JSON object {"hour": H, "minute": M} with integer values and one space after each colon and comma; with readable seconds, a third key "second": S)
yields {"hour": 11, "minute": 51}
